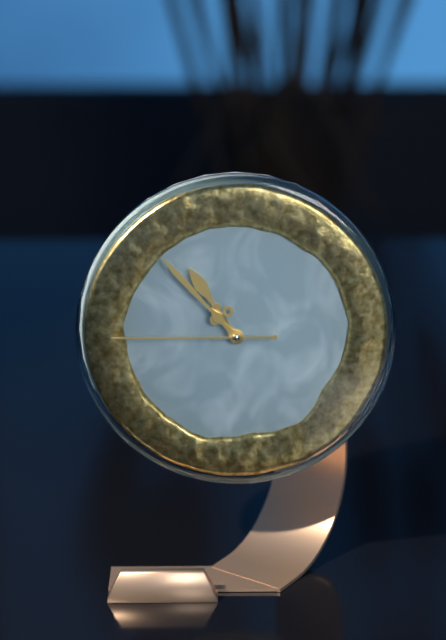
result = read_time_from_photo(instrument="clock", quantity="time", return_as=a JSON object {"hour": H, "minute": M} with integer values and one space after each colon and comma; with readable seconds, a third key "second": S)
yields {"hour": 10, "minute": 53, "second": 45}
